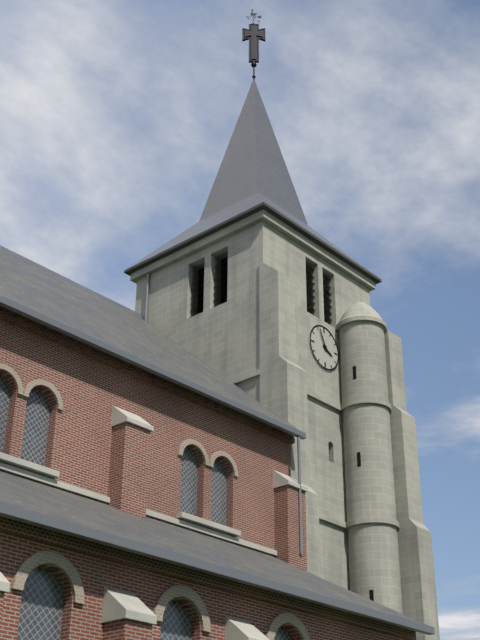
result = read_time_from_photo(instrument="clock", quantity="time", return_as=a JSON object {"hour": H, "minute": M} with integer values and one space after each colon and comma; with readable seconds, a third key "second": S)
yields {"hour": 3, "minute": 56}
